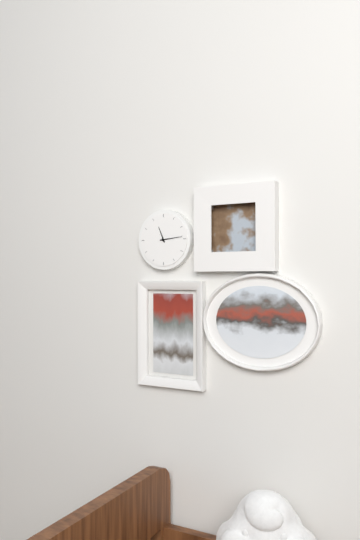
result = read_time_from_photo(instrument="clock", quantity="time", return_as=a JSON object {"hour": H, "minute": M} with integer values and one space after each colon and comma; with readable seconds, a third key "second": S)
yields {"hour": 11, "minute": 14}
